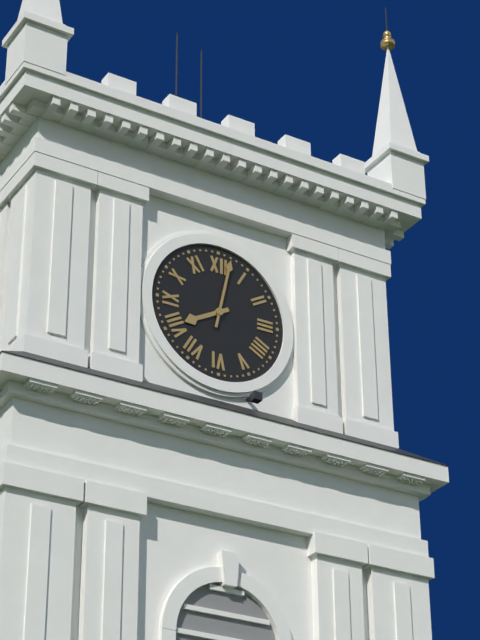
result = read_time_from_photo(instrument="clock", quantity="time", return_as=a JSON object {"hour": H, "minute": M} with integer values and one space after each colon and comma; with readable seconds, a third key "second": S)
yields {"hour": 8, "minute": 2}
